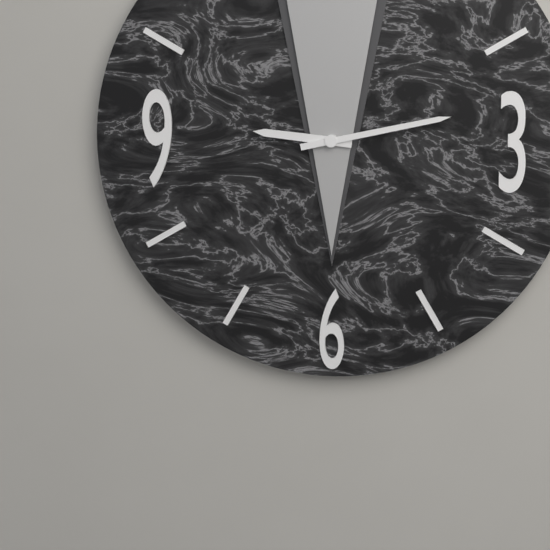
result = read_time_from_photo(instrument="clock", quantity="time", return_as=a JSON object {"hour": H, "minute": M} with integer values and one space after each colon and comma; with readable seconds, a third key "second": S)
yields {"hour": 9, "minute": 13}
